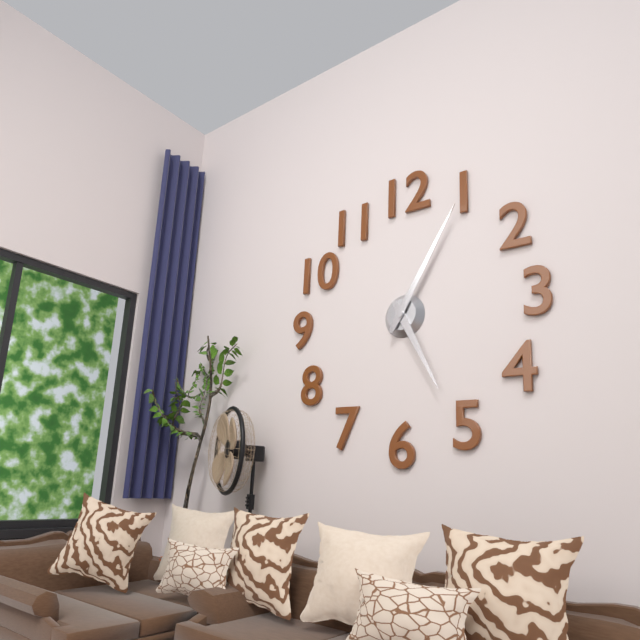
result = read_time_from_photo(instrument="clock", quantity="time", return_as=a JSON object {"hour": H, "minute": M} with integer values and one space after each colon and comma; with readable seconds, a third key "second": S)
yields {"hour": 5, "minute": 5}
